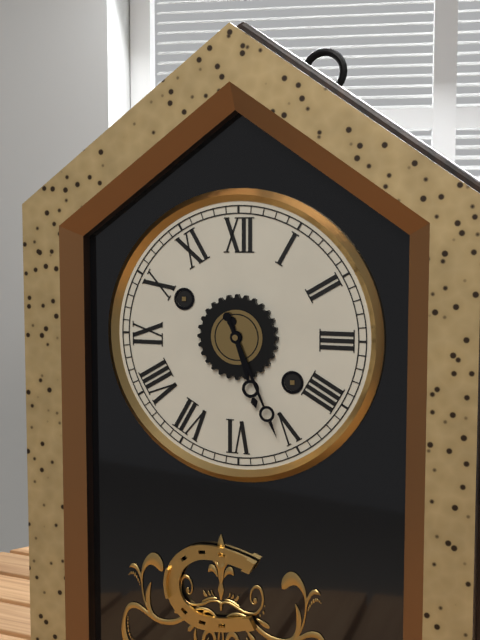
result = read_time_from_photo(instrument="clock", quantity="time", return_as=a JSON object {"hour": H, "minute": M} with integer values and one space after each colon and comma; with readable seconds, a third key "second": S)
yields {"hour": 5, "minute": 26}
